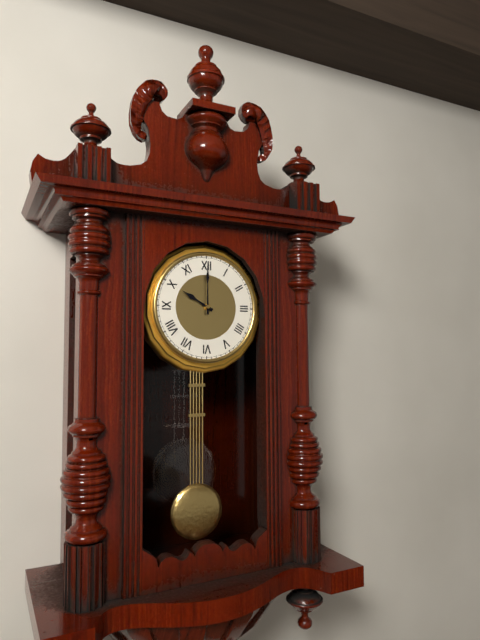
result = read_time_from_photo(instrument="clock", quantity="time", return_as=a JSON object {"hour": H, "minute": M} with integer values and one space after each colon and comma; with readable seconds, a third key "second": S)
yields {"hour": 10, "minute": 0}
